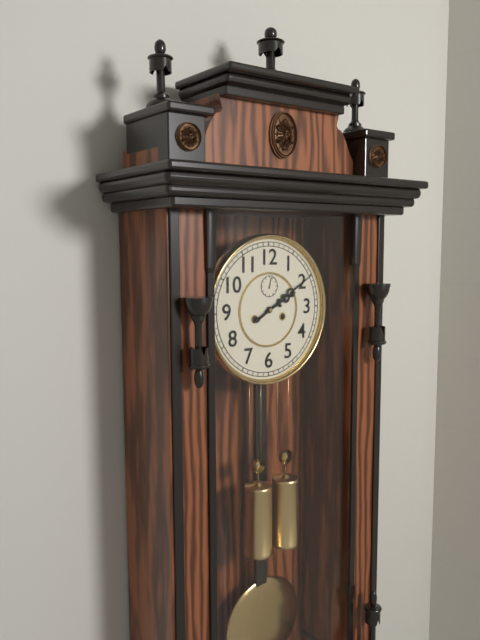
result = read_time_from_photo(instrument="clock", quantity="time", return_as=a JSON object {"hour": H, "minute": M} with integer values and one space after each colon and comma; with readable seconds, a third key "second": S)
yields {"hour": 2, "minute": 10}
